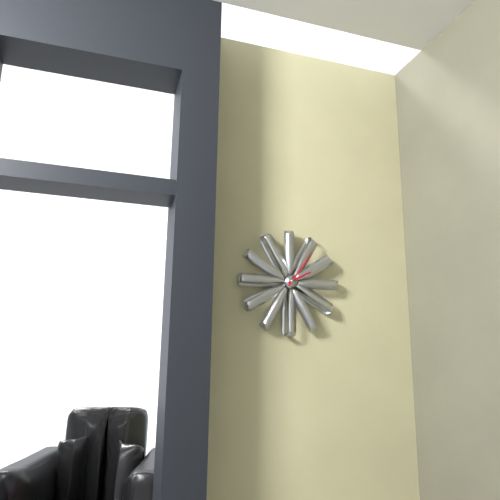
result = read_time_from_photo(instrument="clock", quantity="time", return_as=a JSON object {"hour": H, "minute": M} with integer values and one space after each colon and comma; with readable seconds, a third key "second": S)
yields {"hour": 2, "minute": 6}
